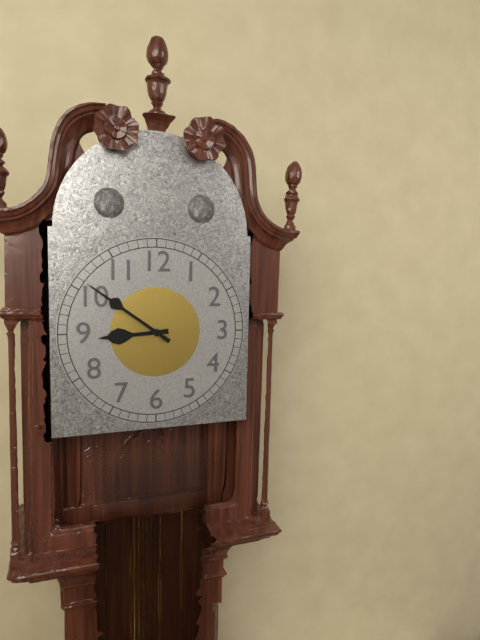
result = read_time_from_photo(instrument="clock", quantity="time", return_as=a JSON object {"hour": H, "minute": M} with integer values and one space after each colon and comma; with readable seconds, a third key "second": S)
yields {"hour": 8, "minute": 51}
